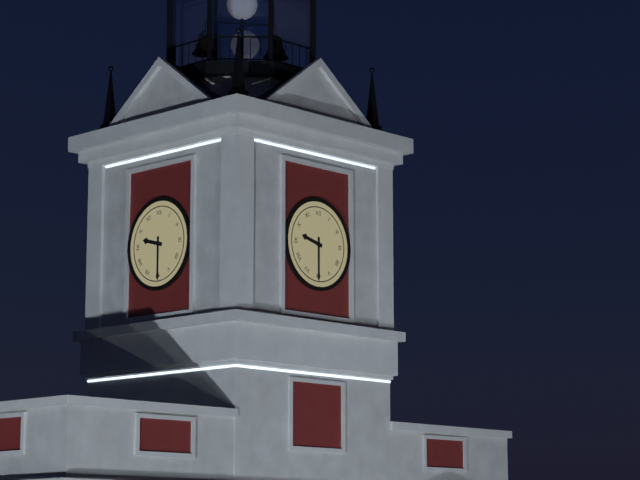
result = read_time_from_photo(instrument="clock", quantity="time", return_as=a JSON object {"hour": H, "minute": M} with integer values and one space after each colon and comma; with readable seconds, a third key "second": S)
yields {"hour": 9, "minute": 30}
